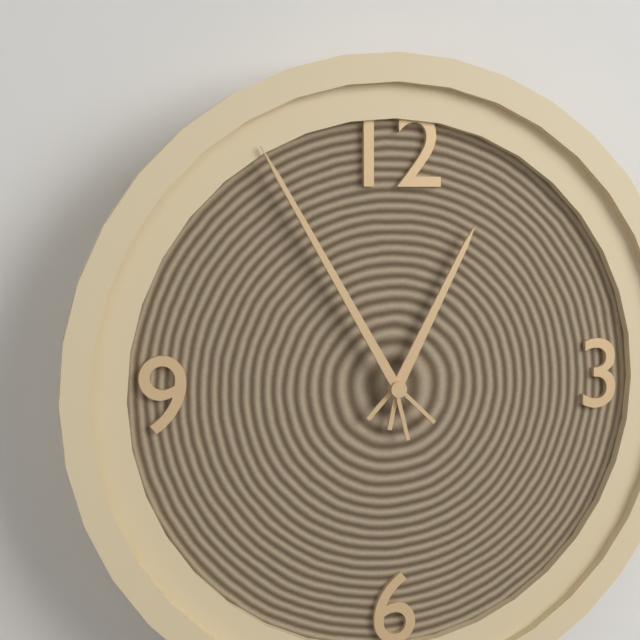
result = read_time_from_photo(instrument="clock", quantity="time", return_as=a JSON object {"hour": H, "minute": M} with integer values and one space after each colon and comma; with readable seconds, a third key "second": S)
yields {"hour": 12, "minute": 55}
